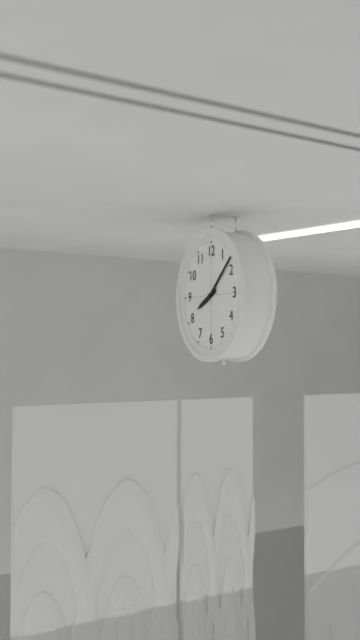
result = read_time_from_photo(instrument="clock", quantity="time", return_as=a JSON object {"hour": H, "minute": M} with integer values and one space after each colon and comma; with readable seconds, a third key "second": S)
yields {"hour": 8, "minute": 8}
